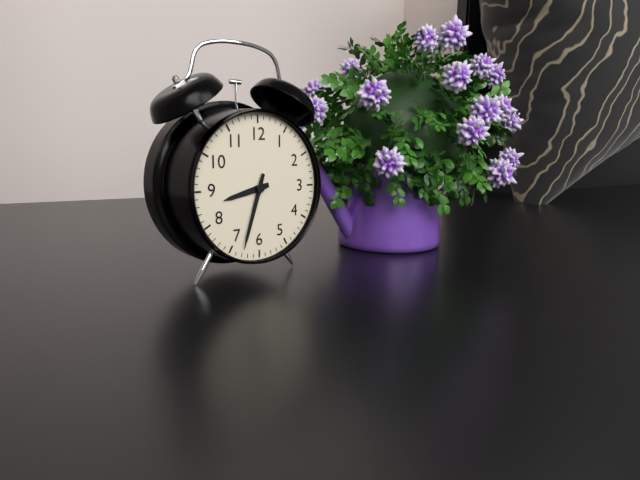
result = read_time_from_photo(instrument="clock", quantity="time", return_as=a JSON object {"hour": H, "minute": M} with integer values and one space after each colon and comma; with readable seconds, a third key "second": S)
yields {"hour": 8, "minute": 33}
